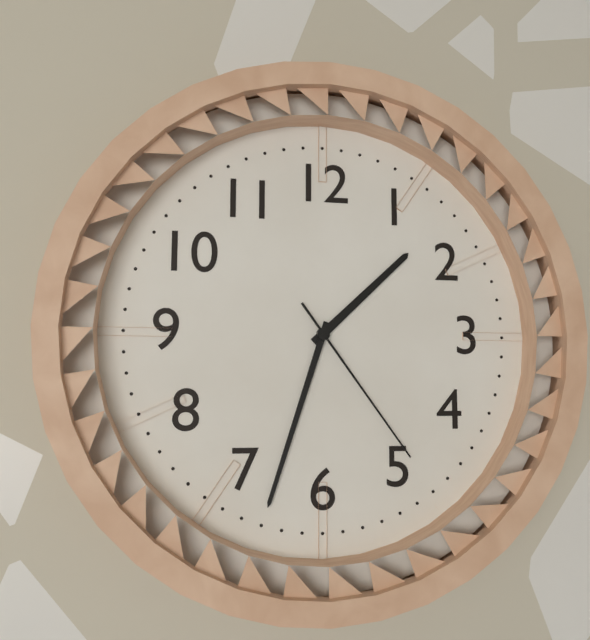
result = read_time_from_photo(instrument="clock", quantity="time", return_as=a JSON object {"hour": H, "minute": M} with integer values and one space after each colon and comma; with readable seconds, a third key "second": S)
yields {"hour": 1, "minute": 33, "second": 24}
